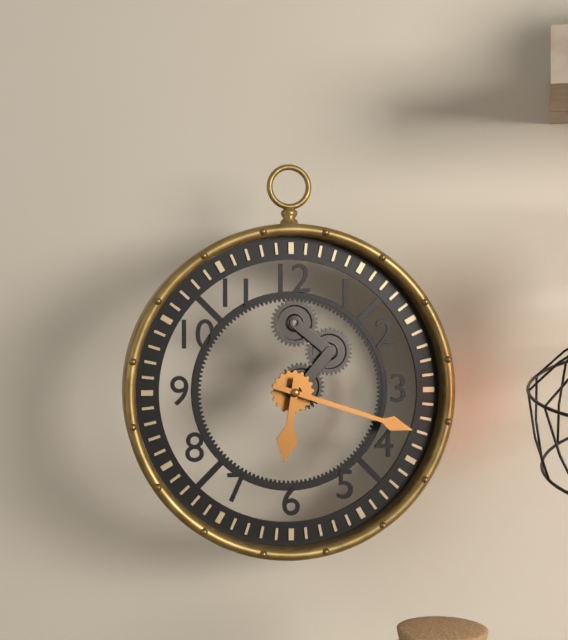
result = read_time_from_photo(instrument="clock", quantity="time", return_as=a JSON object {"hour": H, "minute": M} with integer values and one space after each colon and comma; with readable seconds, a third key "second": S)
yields {"hour": 6, "minute": 18}
